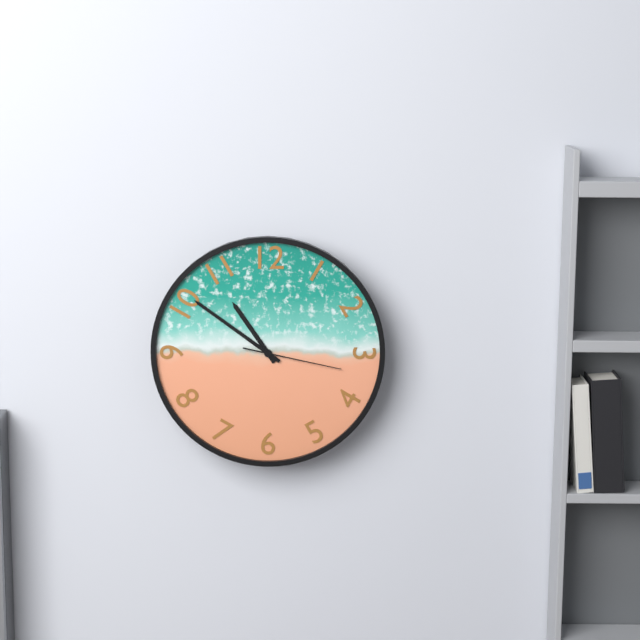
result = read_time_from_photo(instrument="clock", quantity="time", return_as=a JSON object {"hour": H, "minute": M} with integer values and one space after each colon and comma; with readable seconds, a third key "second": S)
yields {"hour": 10, "minute": 51, "second": 17}
